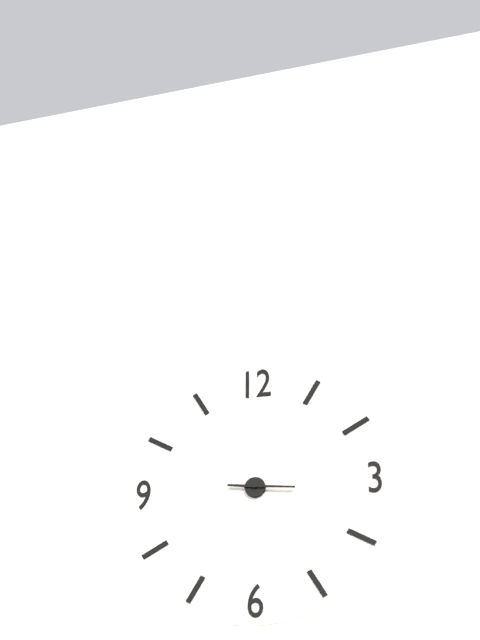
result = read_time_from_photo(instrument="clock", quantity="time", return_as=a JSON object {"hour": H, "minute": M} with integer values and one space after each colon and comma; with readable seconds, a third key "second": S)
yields {"hour": 9, "minute": 16}
